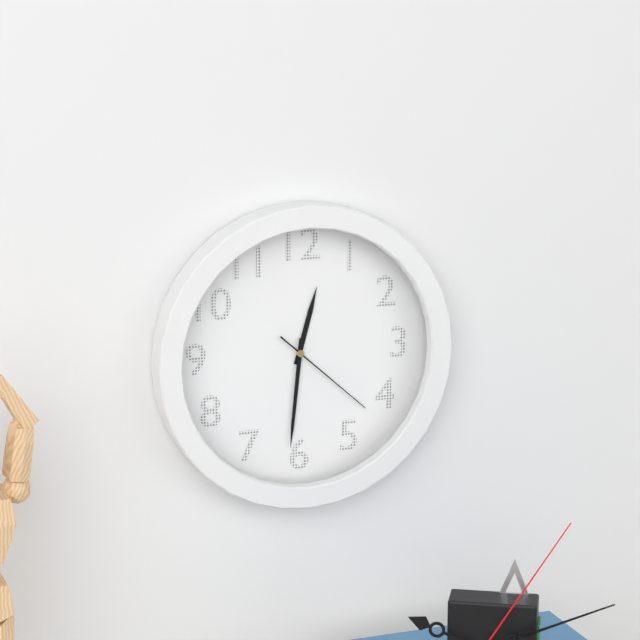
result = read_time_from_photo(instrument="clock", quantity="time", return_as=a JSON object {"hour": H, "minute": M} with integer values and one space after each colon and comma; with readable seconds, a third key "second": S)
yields {"hour": 12, "minute": 31, "second": 22}
